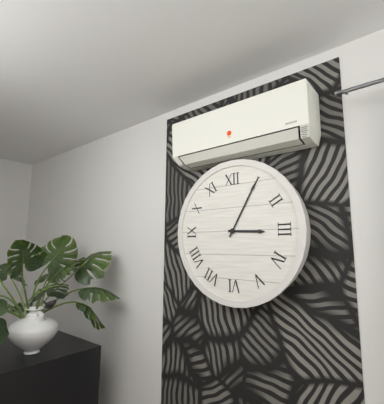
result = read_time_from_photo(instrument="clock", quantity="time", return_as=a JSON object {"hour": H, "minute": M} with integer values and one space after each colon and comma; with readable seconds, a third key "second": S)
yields {"hour": 3, "minute": 5}
